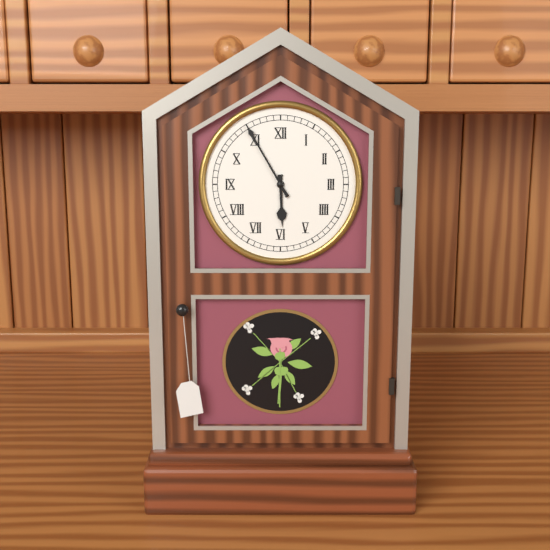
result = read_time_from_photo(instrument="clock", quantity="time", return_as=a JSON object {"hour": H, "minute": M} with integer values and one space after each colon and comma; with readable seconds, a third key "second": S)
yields {"hour": 5, "minute": 55}
